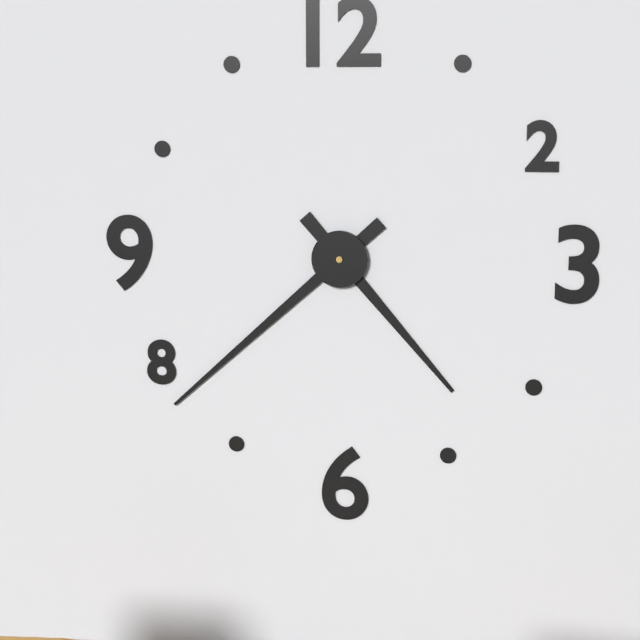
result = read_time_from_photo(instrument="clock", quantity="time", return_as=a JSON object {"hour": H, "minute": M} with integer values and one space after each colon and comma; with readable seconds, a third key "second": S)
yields {"hour": 4, "minute": 38}
